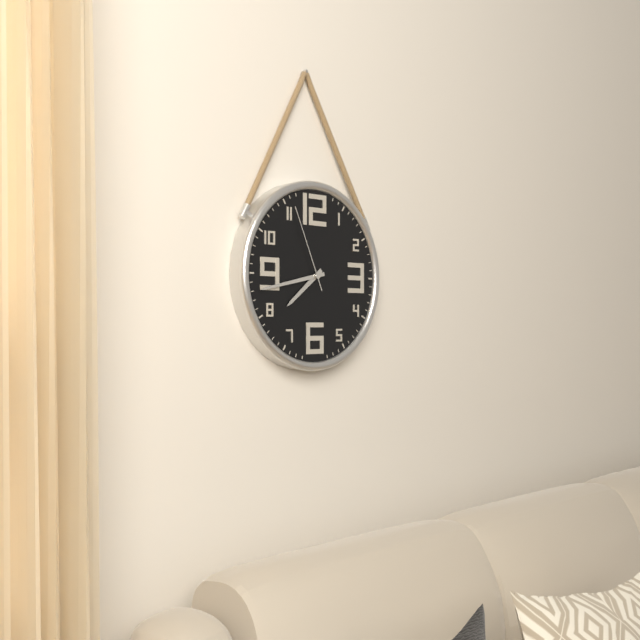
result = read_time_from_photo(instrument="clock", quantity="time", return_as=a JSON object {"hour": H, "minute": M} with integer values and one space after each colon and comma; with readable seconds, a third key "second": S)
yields {"hour": 7, "minute": 43, "second": 56}
